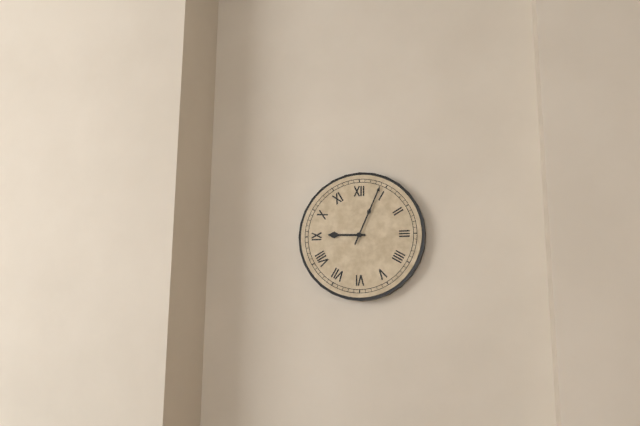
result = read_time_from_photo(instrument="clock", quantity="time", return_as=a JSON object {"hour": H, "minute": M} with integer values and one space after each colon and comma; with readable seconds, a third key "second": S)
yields {"hour": 9, "minute": 4}
